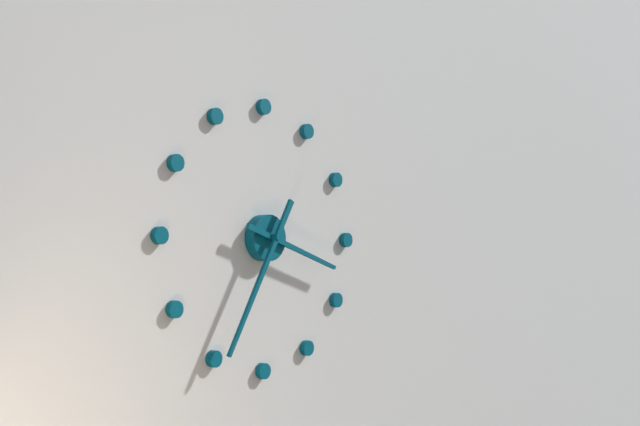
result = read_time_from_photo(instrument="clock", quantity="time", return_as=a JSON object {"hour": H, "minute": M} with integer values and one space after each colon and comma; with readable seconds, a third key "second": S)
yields {"hour": 3, "minute": 35}
